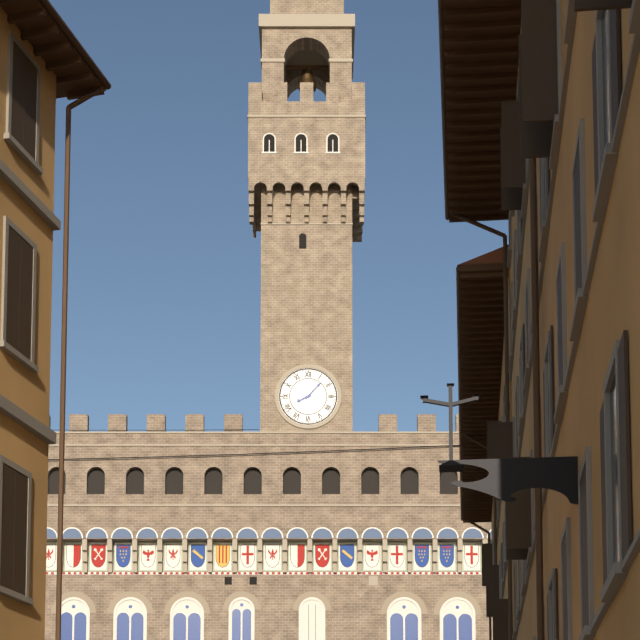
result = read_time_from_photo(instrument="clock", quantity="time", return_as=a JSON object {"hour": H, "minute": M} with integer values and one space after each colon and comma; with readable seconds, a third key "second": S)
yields {"hour": 8, "minute": 7}
